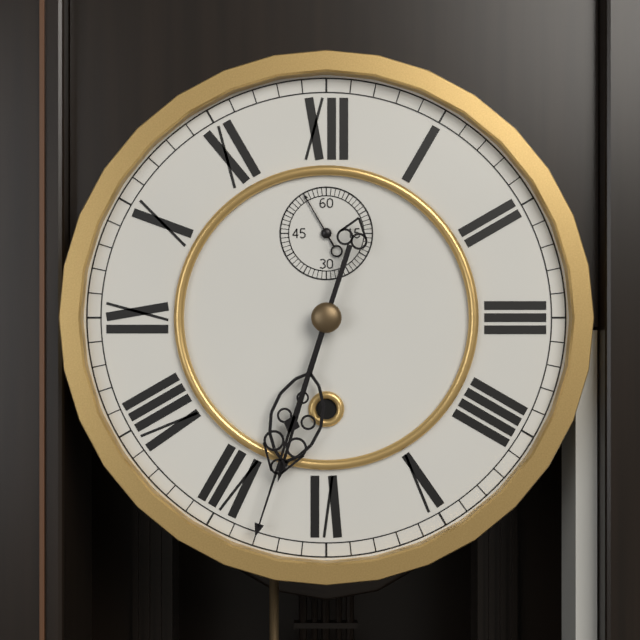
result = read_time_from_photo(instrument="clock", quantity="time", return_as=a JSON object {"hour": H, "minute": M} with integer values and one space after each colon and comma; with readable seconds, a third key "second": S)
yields {"hour": 6, "minute": 33, "second": 55}
